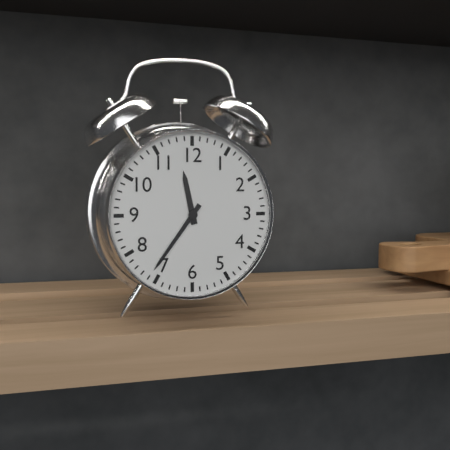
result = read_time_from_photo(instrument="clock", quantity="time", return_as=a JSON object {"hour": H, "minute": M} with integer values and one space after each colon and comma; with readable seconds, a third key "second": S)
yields {"hour": 11, "minute": 36}
